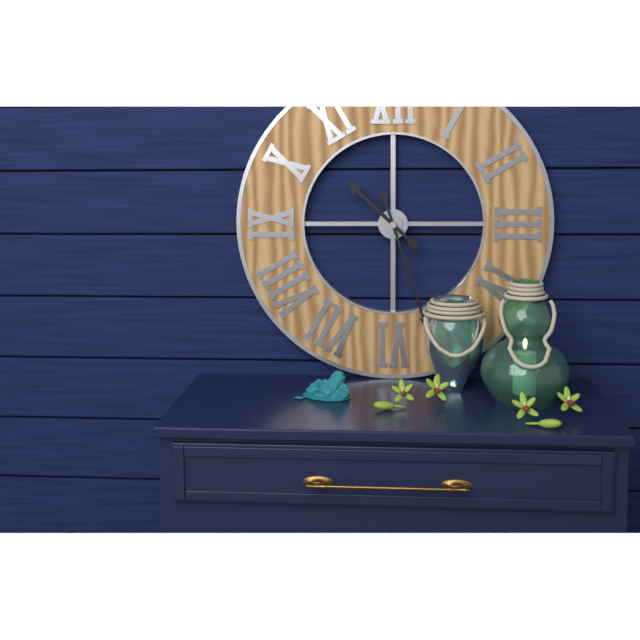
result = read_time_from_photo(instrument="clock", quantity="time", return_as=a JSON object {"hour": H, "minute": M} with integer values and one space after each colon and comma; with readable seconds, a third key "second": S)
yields {"hour": 10, "minute": 27}
